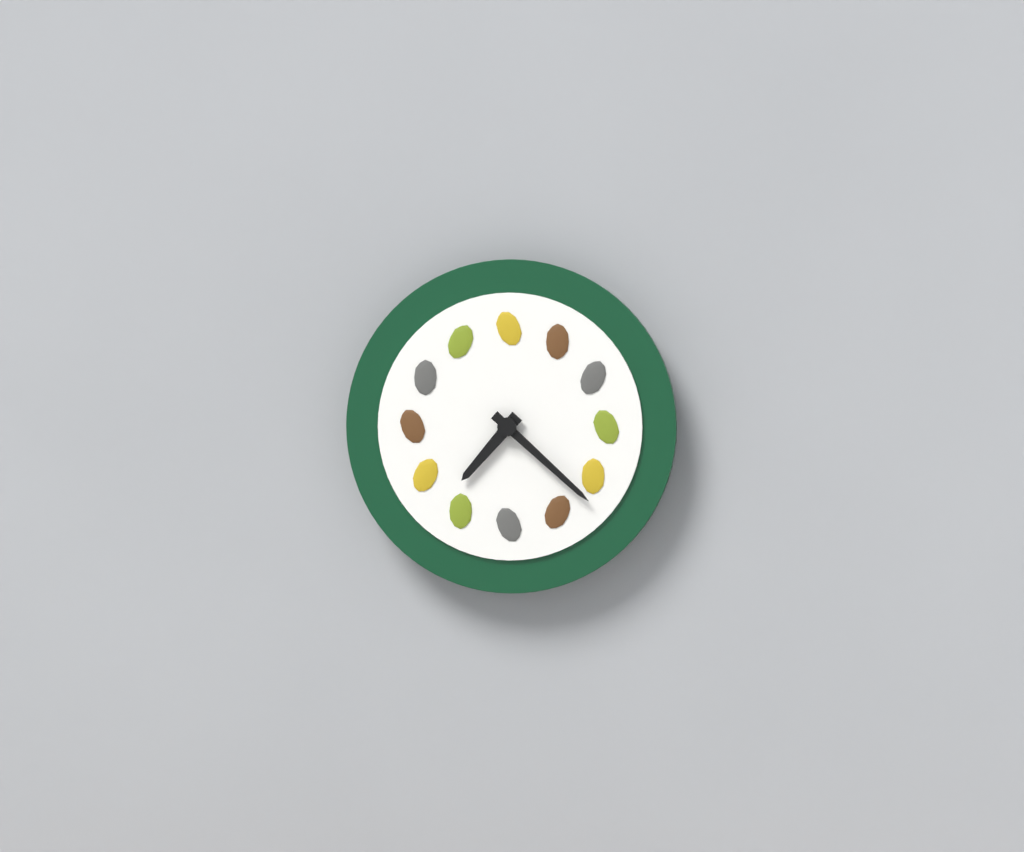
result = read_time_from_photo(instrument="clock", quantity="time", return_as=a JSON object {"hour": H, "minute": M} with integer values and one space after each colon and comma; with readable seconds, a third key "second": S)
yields {"hour": 7, "minute": 22}
